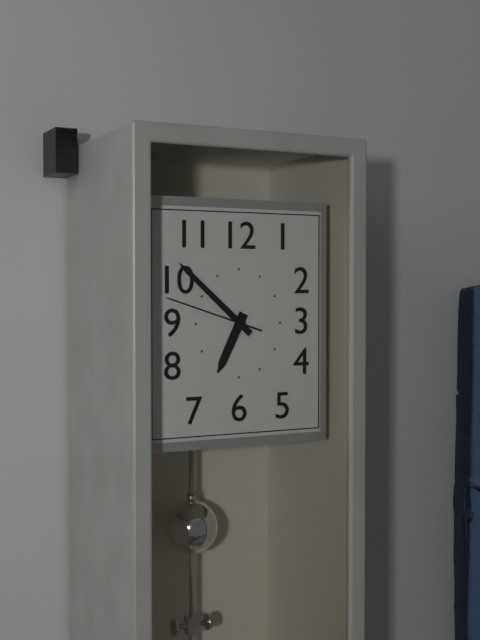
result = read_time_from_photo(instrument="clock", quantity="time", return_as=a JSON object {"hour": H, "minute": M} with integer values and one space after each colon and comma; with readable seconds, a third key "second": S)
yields {"hour": 6, "minute": 52, "second": 48}
